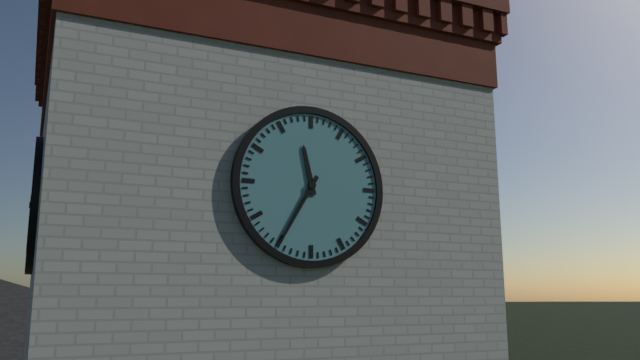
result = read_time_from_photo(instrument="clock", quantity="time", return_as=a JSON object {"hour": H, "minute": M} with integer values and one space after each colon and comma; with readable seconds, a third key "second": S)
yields {"hour": 11, "minute": 35}
